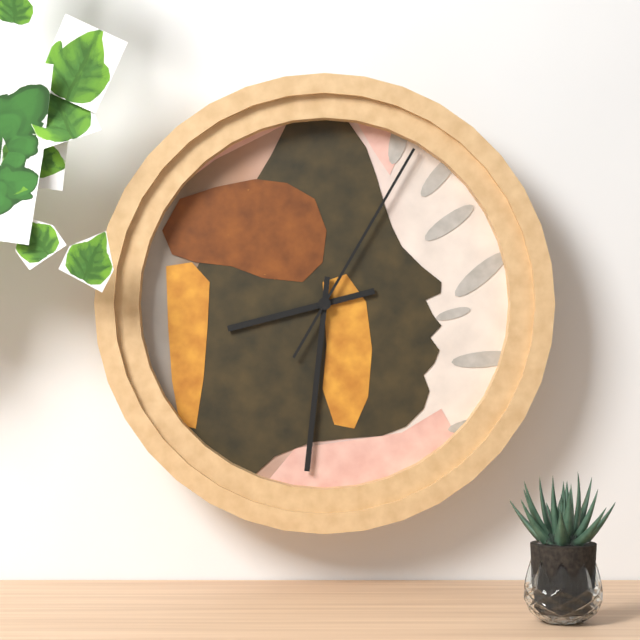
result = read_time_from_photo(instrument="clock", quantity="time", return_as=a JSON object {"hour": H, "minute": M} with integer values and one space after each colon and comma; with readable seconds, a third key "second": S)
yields {"hour": 8, "minute": 31, "second": 5}
